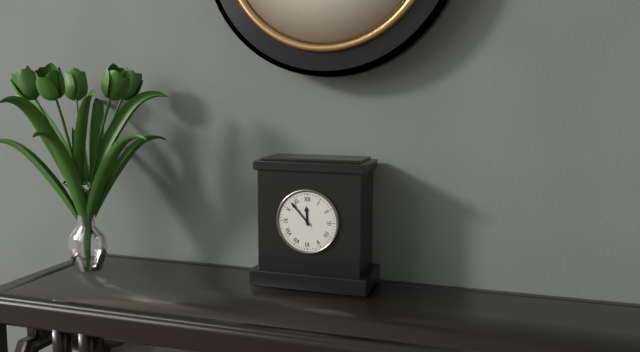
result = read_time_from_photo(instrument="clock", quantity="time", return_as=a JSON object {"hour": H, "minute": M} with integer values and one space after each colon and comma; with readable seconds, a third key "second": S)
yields {"hour": 11, "minute": 53}
